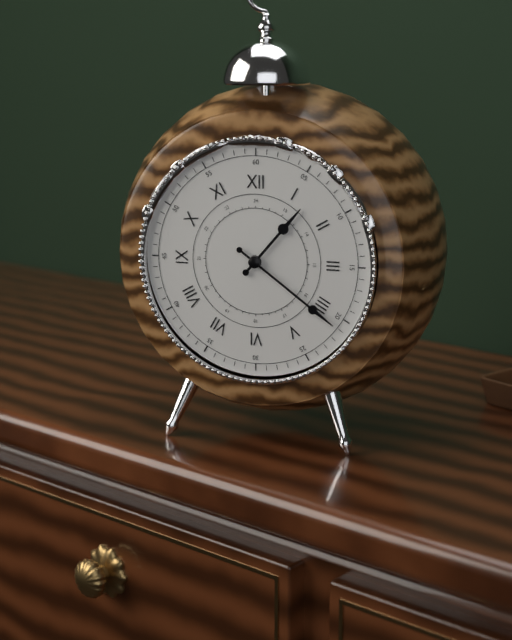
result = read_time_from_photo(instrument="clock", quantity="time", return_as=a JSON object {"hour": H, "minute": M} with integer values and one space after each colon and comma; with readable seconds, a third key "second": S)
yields {"hour": 1, "minute": 21}
